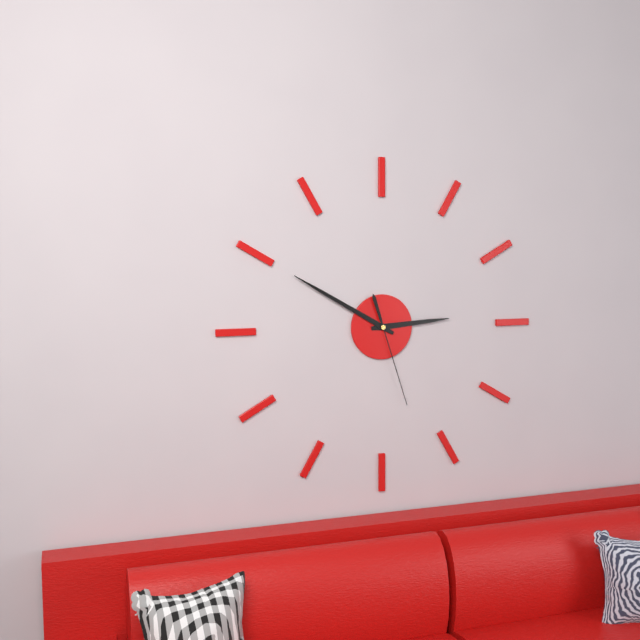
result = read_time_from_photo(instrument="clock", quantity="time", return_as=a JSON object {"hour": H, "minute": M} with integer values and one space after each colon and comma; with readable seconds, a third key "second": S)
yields {"hour": 2, "minute": 50, "second": 27}
